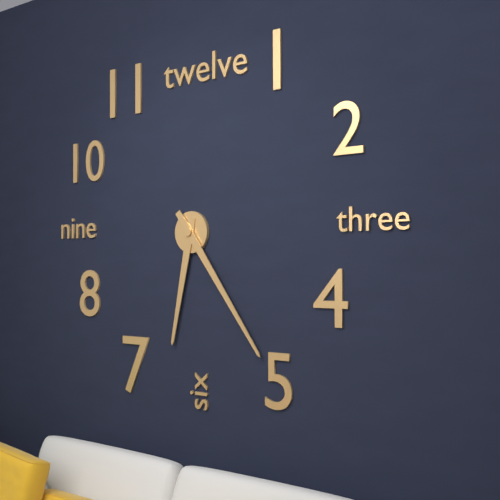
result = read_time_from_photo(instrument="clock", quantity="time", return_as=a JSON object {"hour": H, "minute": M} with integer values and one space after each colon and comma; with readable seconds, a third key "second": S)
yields {"hour": 6, "minute": 24}
